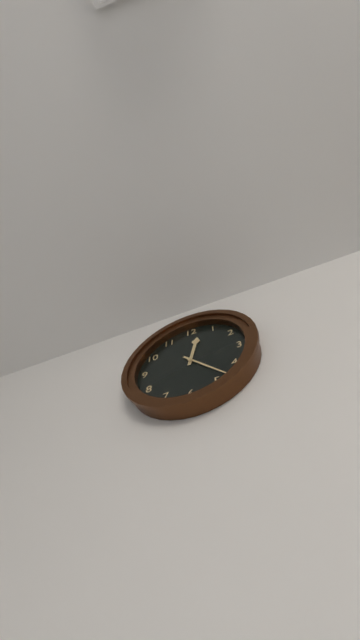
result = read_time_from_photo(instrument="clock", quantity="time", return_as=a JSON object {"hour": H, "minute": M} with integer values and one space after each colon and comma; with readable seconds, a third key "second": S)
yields {"hour": 12, "minute": 23}
